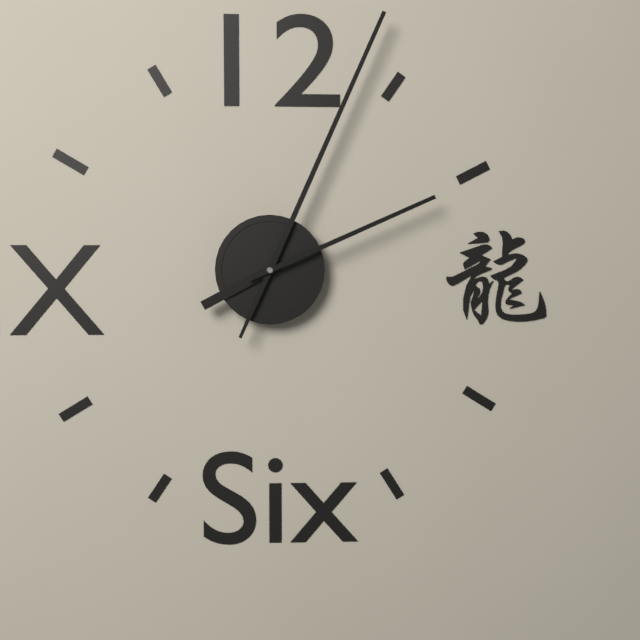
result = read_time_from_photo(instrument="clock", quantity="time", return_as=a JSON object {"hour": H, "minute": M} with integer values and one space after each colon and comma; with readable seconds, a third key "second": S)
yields {"hour": 8, "minute": 4, "second": 11}
